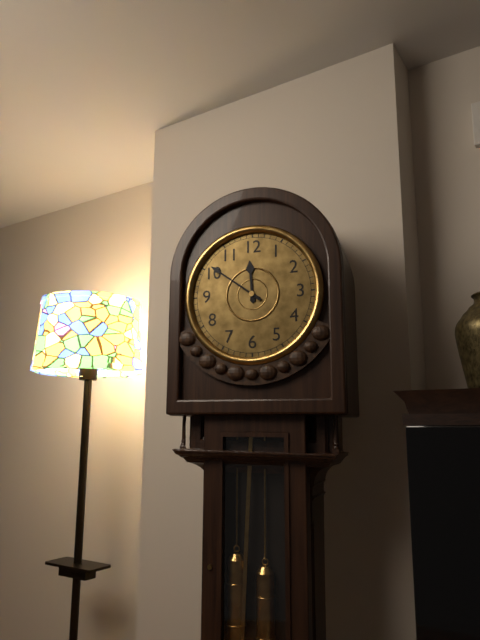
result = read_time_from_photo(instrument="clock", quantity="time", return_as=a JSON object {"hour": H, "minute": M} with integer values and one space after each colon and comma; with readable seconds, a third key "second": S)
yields {"hour": 11, "minute": 51}
